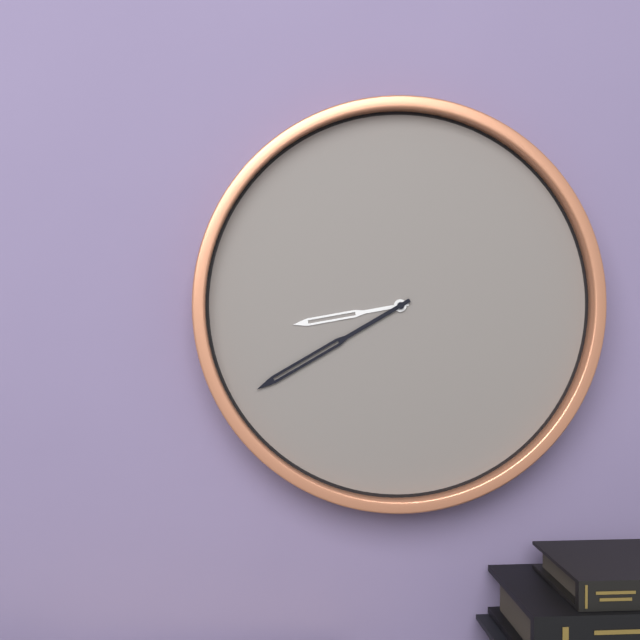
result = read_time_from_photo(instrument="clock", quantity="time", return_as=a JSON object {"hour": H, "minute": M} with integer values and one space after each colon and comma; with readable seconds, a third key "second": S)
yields {"hour": 8, "minute": 40}
